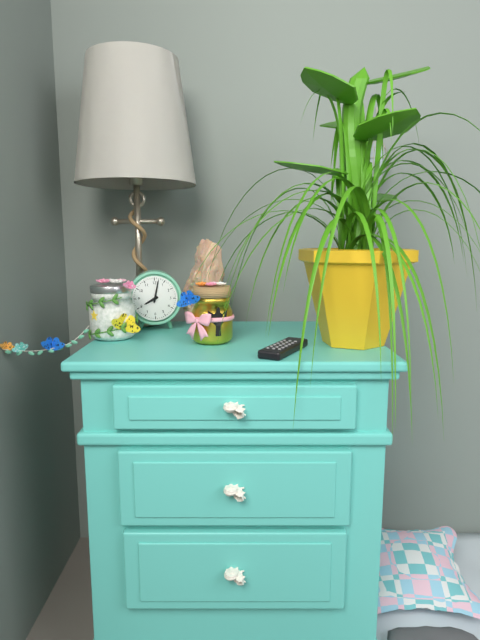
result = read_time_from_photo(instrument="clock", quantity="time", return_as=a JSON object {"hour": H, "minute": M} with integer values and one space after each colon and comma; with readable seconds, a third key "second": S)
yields {"hour": 8, "minute": 2}
